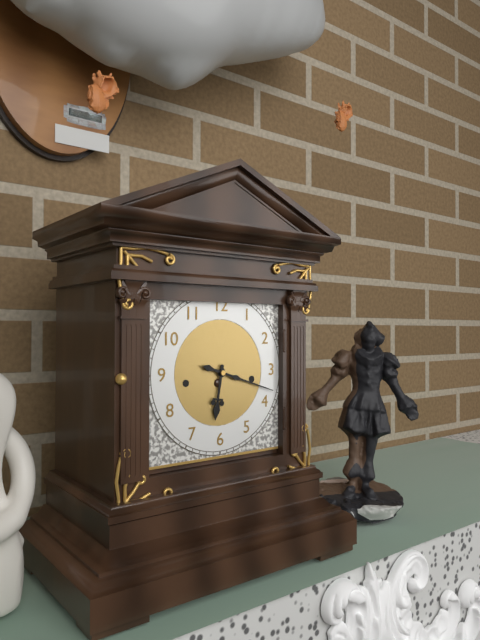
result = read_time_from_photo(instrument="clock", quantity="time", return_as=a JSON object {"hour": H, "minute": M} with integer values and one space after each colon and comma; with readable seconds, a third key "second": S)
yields {"hour": 6, "minute": 18}
